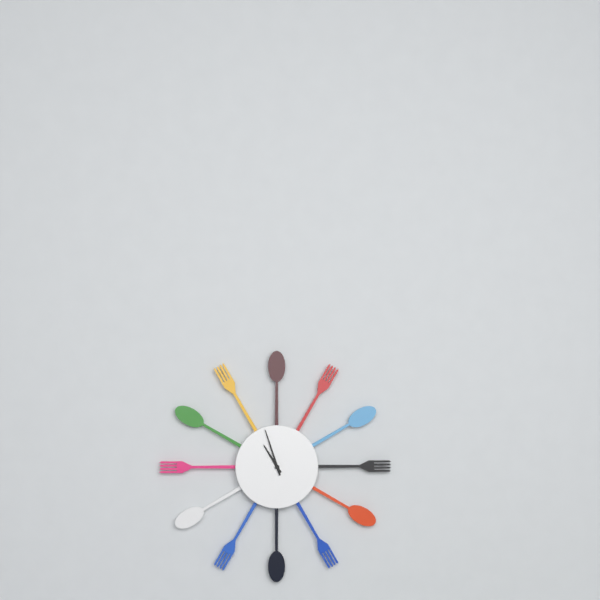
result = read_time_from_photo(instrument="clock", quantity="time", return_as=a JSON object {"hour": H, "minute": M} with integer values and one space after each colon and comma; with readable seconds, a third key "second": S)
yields {"hour": 10, "minute": 57}
